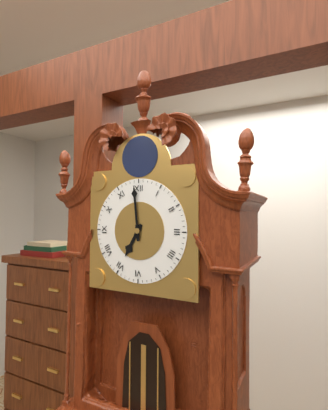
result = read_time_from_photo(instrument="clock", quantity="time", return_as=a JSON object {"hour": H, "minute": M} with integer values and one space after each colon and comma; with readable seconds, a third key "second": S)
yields {"hour": 6, "minute": 59}
